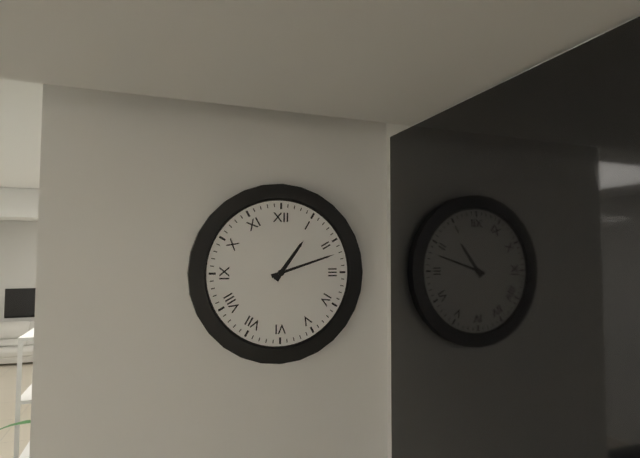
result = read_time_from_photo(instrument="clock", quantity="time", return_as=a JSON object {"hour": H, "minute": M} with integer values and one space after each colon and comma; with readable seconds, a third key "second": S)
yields {"hour": 1, "minute": 12}
